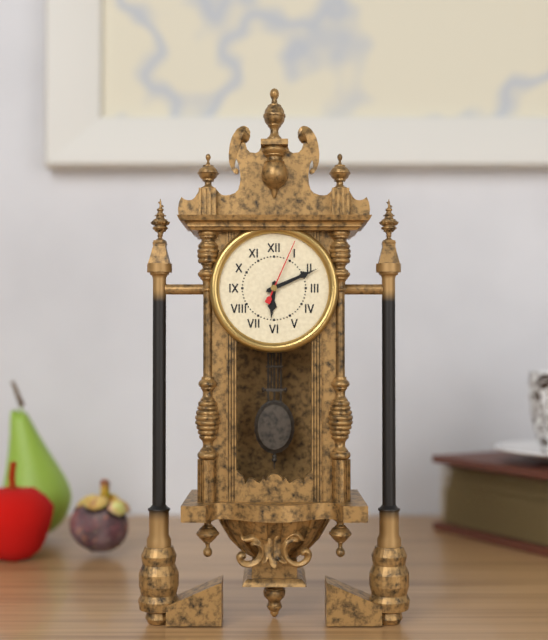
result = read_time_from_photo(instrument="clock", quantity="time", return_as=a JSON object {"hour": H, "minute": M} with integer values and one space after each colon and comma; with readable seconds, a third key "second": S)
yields {"hour": 6, "minute": 11, "second": 4}
